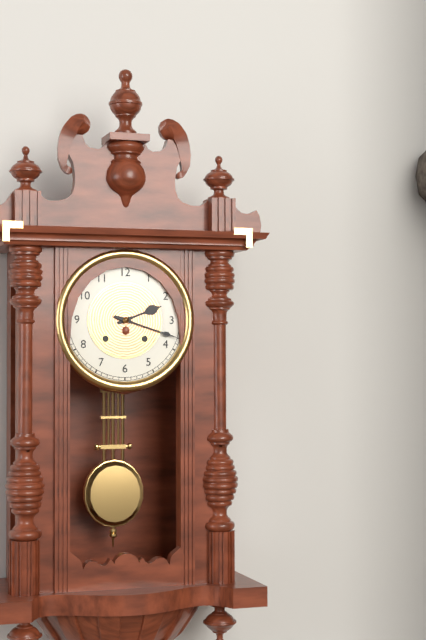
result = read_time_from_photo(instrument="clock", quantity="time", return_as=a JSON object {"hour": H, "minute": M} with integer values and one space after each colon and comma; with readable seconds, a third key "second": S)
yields {"hour": 2, "minute": 18}
